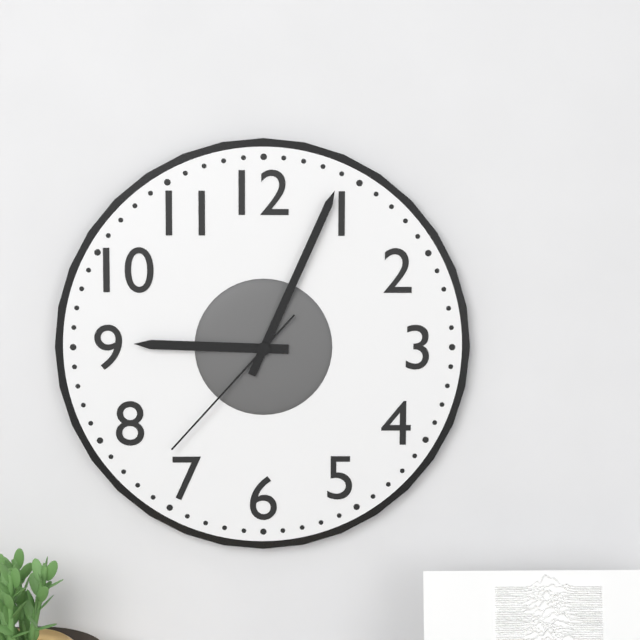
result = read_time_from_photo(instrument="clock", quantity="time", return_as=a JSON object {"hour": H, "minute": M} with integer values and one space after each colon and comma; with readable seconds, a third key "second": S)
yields {"hour": 9, "minute": 4, "second": 37}
